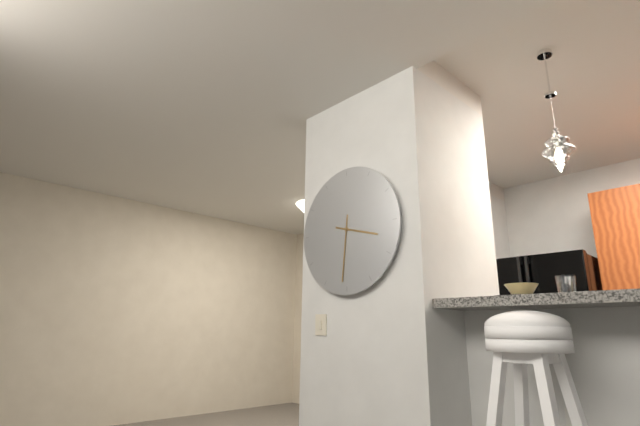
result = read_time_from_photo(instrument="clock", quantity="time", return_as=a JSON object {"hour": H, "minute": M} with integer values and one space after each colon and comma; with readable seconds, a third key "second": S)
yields {"hour": 3, "minute": 31}
